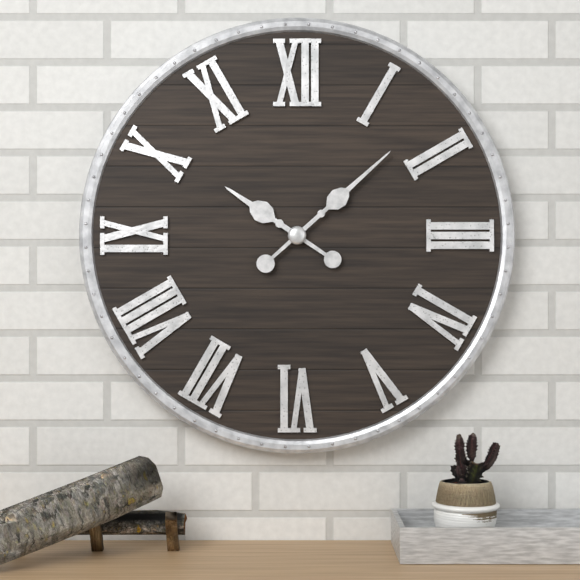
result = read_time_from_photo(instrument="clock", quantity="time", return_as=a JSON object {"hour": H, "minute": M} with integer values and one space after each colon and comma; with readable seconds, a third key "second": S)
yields {"hour": 10, "minute": 8}
